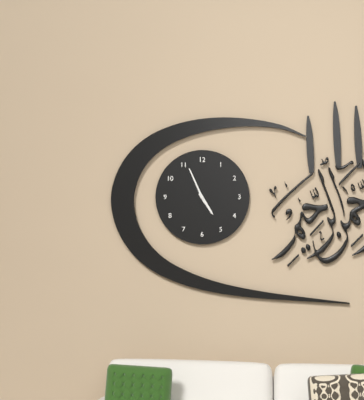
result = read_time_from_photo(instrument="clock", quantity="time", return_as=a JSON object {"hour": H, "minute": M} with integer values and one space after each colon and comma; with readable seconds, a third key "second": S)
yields {"hour": 4, "minute": 56}
